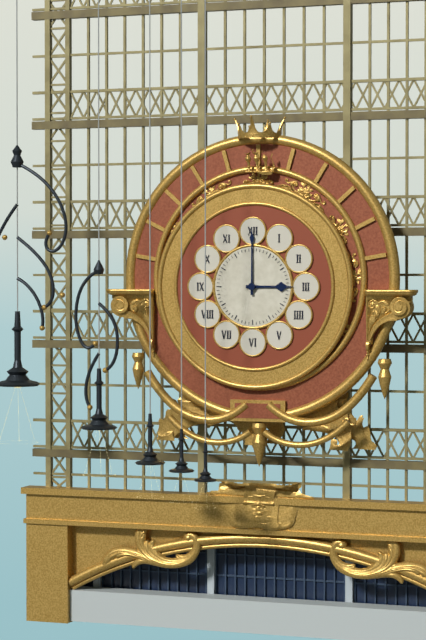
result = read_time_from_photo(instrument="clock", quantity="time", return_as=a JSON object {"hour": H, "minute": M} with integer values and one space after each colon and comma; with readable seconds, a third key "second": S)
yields {"hour": 3, "minute": 0}
